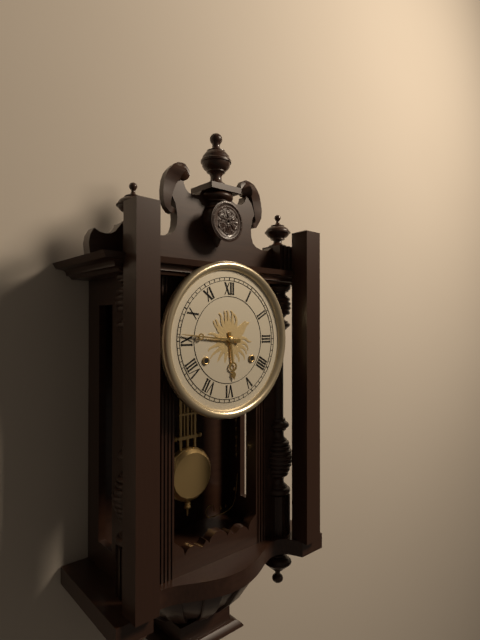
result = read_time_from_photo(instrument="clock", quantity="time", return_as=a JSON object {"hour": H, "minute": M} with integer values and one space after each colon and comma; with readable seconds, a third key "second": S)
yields {"hour": 5, "minute": 46}
